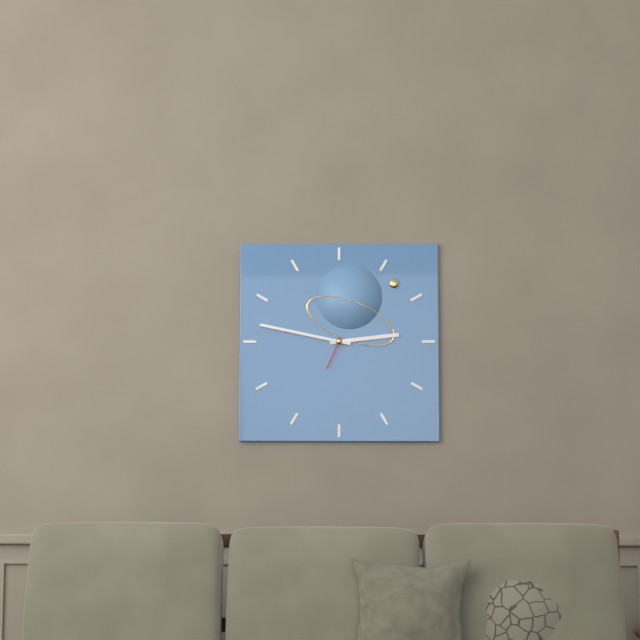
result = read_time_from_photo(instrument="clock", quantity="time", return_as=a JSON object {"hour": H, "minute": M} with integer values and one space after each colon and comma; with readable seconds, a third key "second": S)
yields {"hour": 2, "minute": 47}
